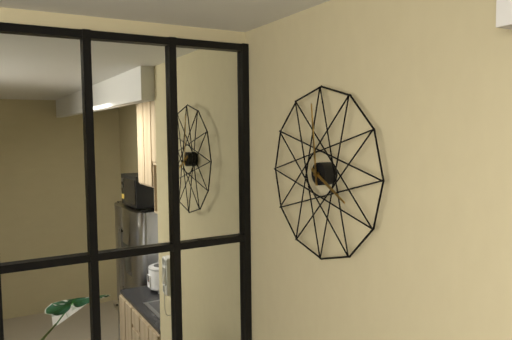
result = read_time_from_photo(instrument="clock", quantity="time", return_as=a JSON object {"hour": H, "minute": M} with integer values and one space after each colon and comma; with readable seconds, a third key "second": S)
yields {"hour": 3, "minute": 59}
